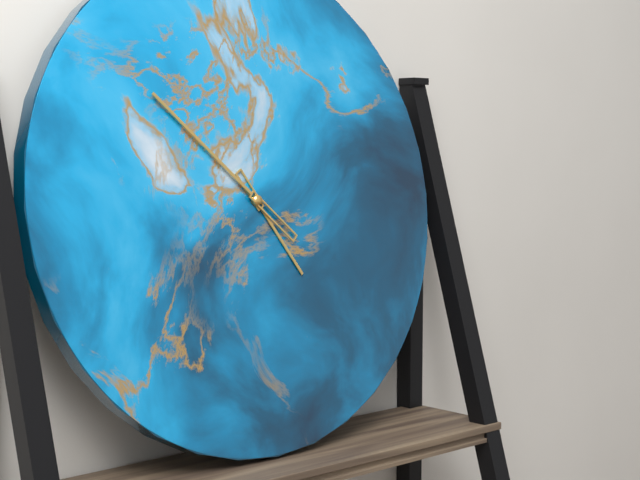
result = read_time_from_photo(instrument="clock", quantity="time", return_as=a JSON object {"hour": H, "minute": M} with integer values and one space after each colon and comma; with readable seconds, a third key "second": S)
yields {"hour": 4, "minute": 52}
